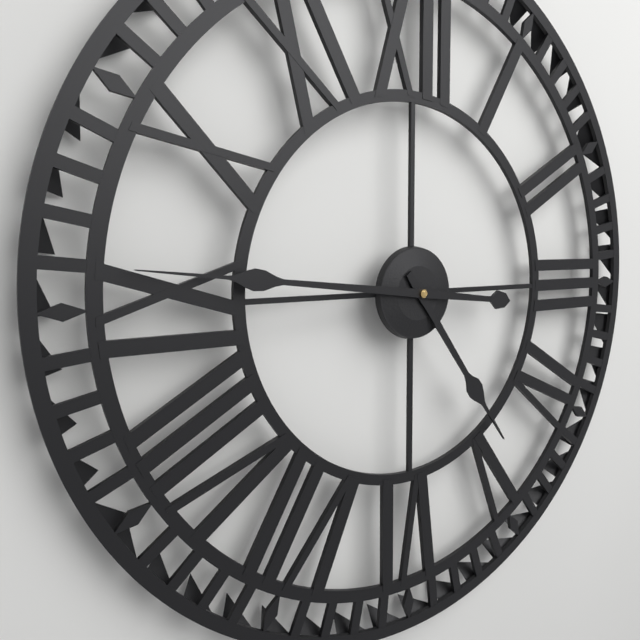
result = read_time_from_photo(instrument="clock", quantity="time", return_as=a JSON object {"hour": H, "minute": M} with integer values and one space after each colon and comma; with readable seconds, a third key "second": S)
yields {"hour": 4, "minute": 46}
